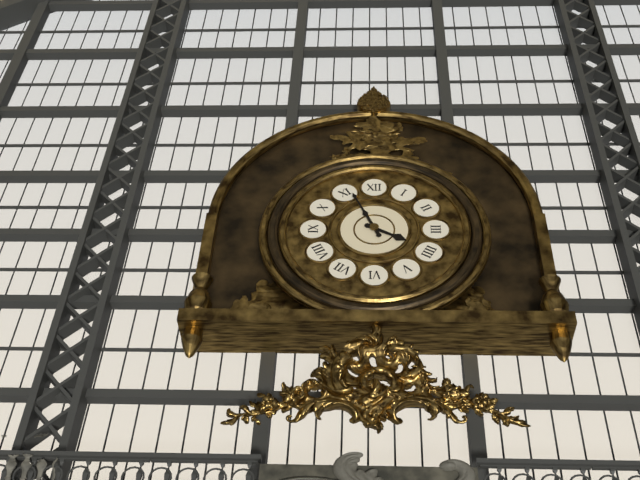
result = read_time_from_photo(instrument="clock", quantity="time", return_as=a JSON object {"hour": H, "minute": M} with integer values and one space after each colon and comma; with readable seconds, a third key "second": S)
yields {"hour": 3, "minute": 56}
